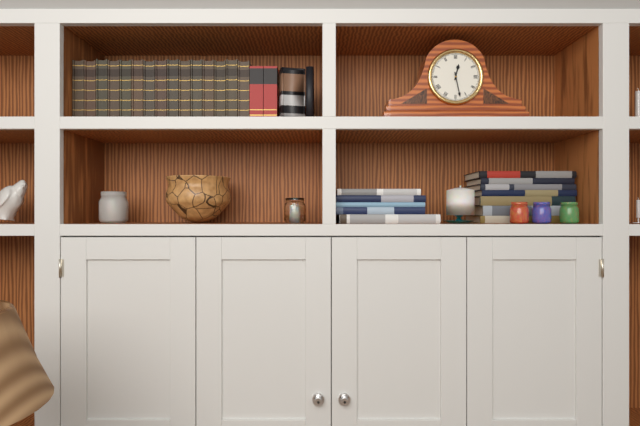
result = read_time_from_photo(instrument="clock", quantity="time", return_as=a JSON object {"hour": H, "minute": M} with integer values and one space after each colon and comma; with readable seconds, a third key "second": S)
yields {"hour": 12, "minute": 28}
